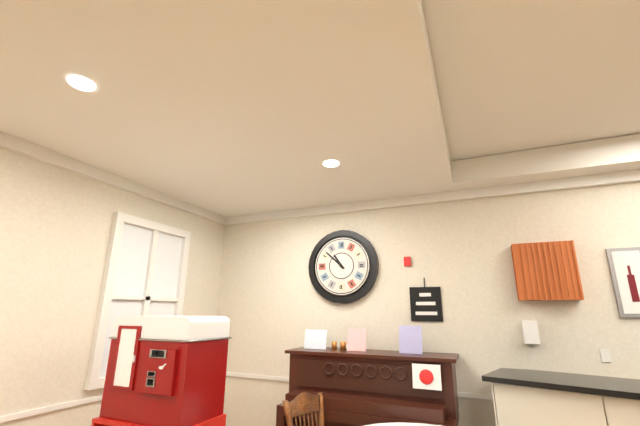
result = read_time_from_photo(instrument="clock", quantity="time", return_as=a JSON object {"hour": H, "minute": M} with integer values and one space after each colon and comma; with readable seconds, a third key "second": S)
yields {"hour": 10, "minute": 52}
